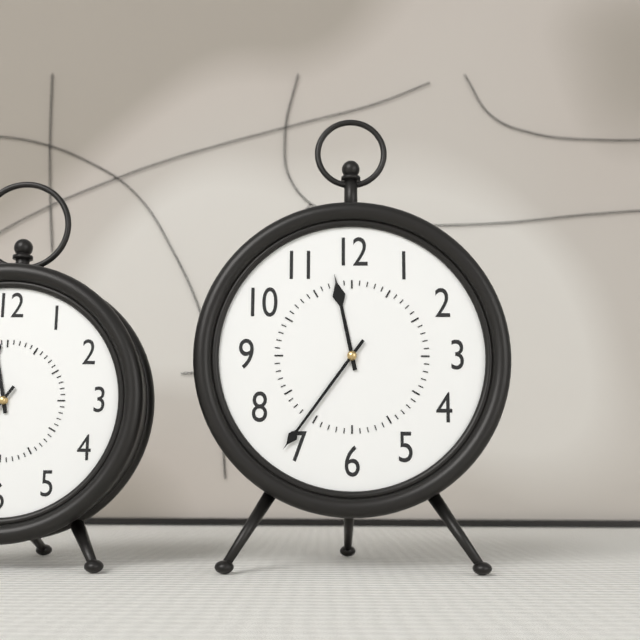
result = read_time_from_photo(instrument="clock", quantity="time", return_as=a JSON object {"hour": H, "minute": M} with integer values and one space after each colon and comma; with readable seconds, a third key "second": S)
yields {"hour": 11, "minute": 36}
